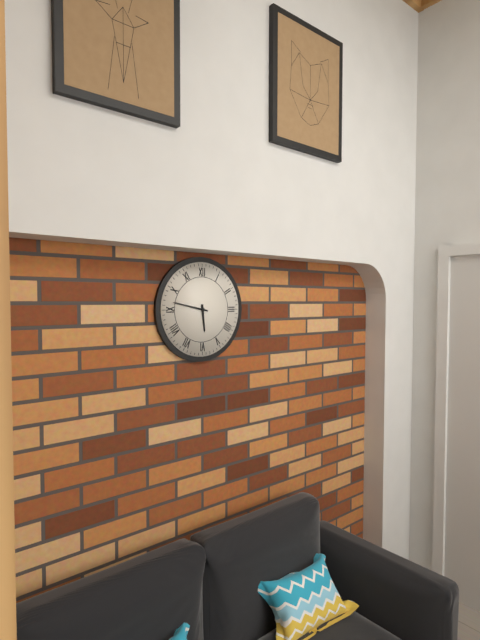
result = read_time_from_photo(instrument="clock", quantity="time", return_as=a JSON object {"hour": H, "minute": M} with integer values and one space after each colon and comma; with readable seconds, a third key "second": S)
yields {"hour": 5, "minute": 47}
